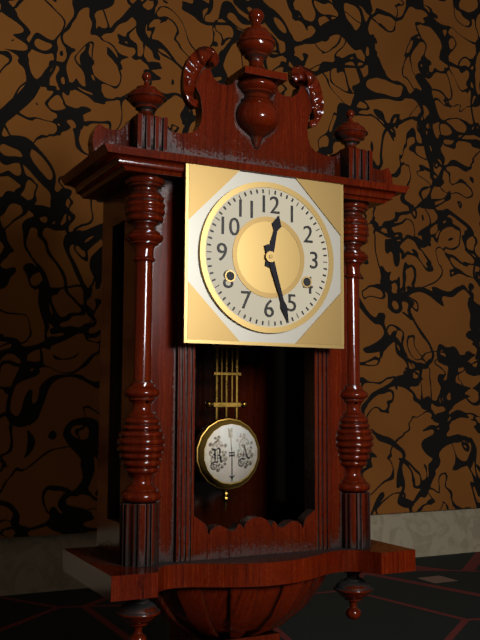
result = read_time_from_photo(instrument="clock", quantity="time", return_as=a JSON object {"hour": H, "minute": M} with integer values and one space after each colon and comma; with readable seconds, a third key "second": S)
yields {"hour": 12, "minute": 27}
